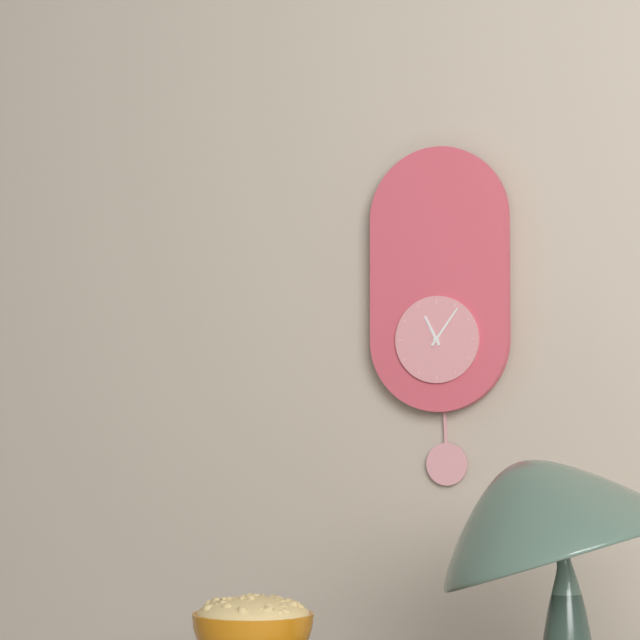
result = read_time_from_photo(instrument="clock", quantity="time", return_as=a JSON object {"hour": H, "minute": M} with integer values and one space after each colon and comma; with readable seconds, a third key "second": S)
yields {"hour": 11, "minute": 6}
